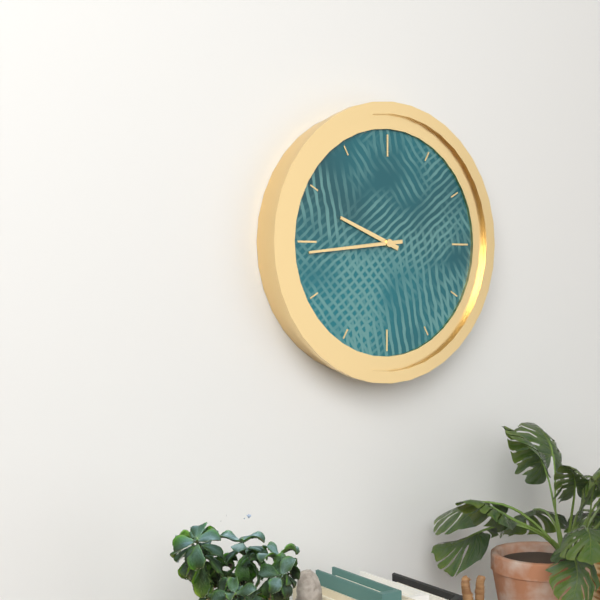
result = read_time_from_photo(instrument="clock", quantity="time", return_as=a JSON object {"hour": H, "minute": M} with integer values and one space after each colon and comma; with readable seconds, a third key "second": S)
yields {"hour": 9, "minute": 44}
